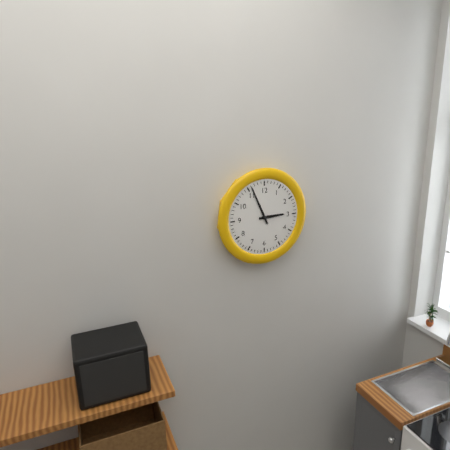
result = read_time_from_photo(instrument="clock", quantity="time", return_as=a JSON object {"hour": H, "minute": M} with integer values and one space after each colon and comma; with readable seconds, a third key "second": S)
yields {"hour": 2, "minute": 56}
